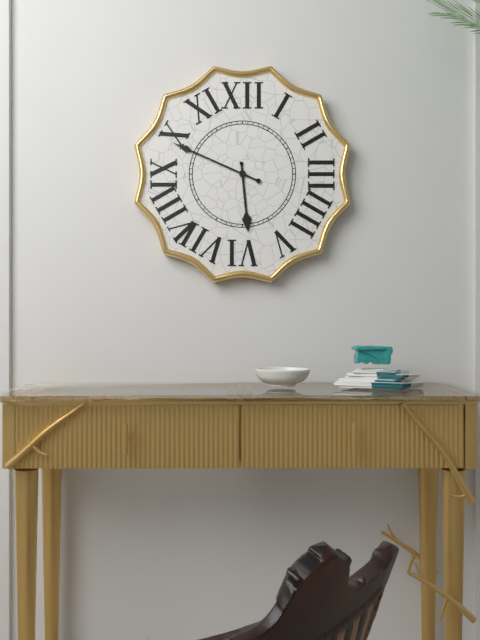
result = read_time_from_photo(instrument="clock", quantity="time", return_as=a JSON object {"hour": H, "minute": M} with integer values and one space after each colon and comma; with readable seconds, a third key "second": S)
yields {"hour": 5, "minute": 49}
